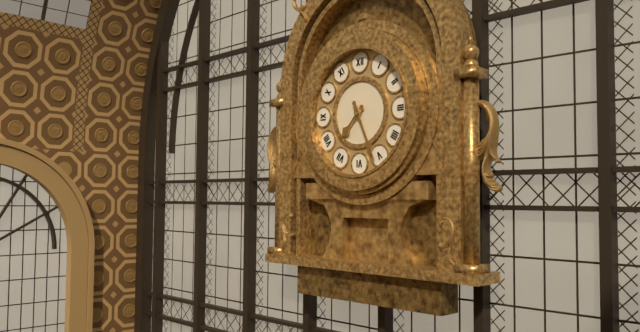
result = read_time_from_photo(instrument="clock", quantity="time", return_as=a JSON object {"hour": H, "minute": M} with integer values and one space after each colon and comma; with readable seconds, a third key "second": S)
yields {"hour": 7, "minute": 26}
